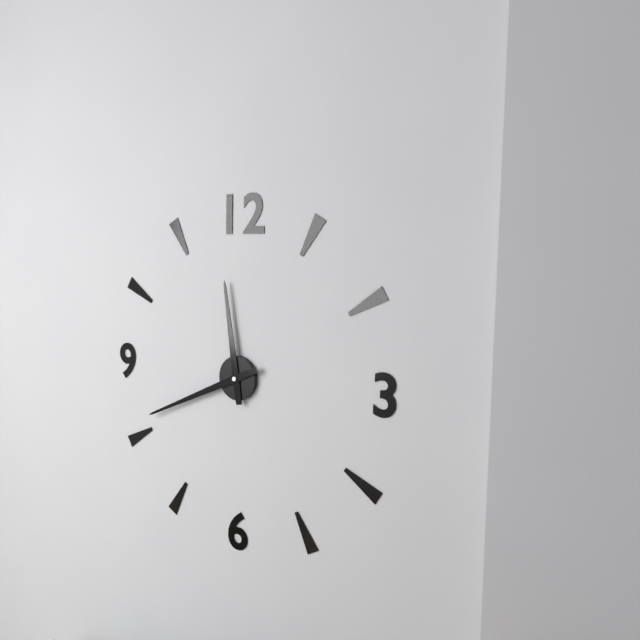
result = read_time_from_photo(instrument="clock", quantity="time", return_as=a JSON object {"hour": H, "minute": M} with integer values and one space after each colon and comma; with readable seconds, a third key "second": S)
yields {"hour": 11, "minute": 41}
